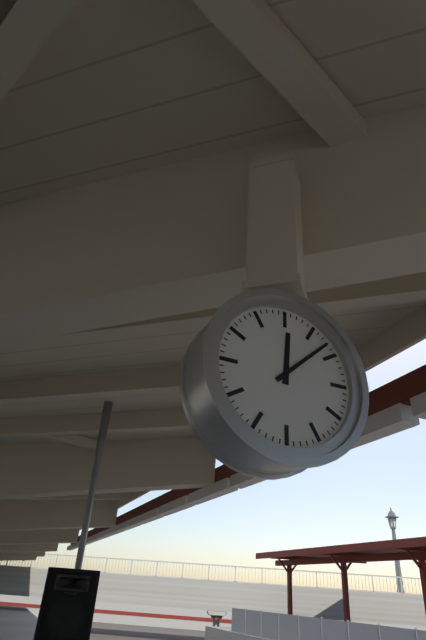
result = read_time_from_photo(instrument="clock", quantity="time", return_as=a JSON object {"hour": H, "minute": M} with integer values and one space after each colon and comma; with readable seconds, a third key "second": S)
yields {"hour": 12, "minute": 8}
